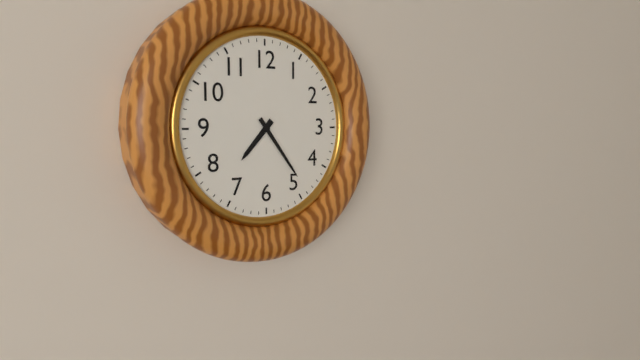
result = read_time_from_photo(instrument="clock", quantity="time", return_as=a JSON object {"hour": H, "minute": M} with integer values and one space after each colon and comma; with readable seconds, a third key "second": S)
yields {"hour": 7, "minute": 24}
